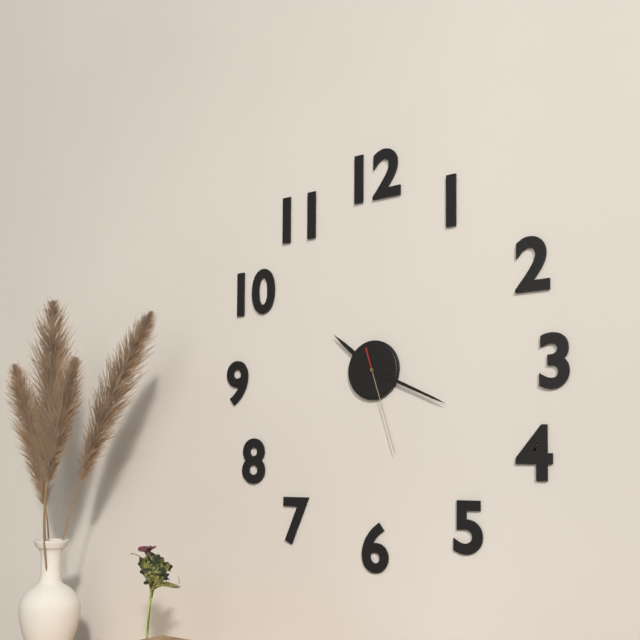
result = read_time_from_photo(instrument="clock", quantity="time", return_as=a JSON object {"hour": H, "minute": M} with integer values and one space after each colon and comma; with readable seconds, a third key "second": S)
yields {"hour": 10, "minute": 19, "second": 27}
